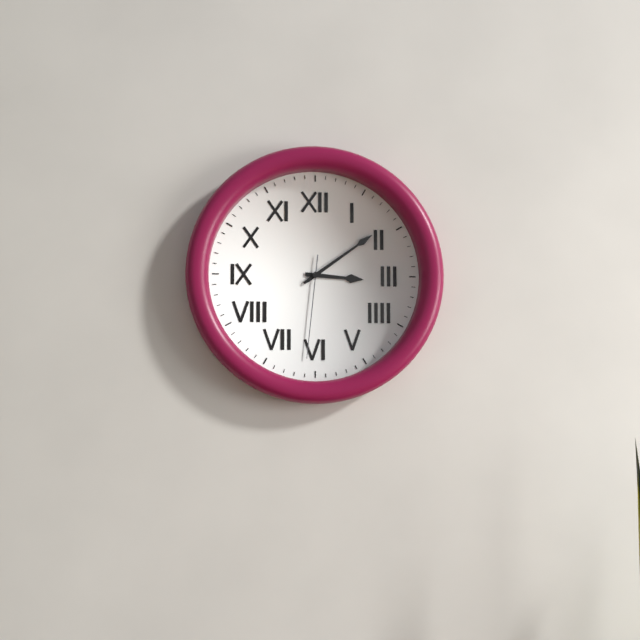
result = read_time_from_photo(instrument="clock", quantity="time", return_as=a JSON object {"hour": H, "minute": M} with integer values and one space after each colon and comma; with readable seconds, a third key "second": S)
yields {"hour": 3, "minute": 9, "second": 31}
